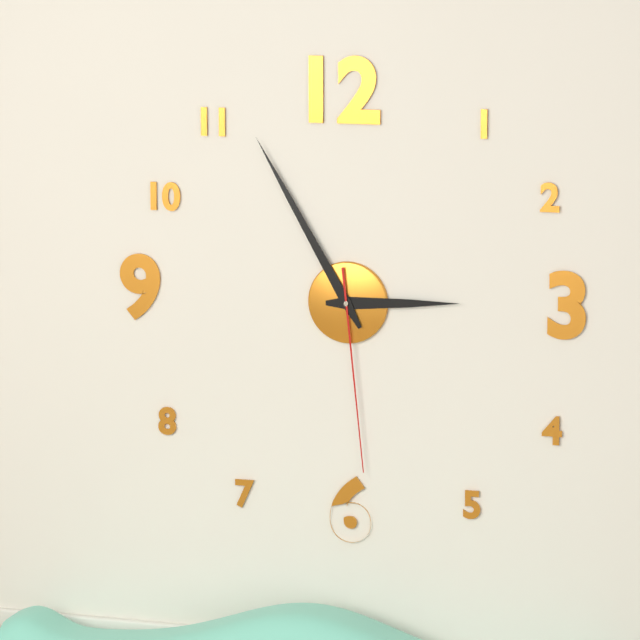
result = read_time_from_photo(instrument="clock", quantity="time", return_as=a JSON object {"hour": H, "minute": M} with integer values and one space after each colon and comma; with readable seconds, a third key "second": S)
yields {"hour": 2, "minute": 55, "second": 29}
